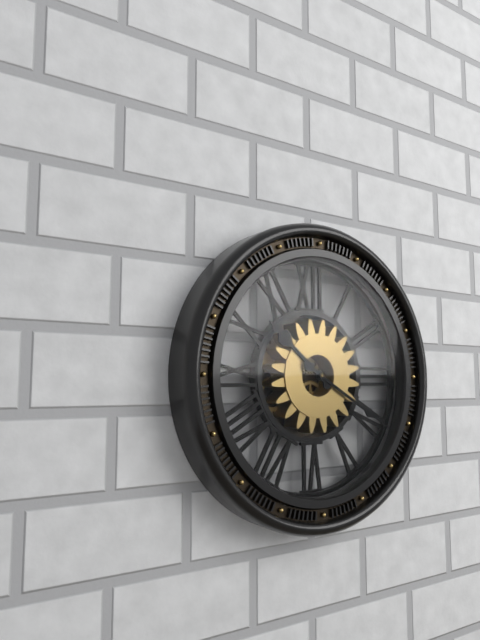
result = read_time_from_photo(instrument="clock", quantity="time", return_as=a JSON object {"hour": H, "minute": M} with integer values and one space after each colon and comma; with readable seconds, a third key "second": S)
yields {"hour": 10, "minute": 20}
